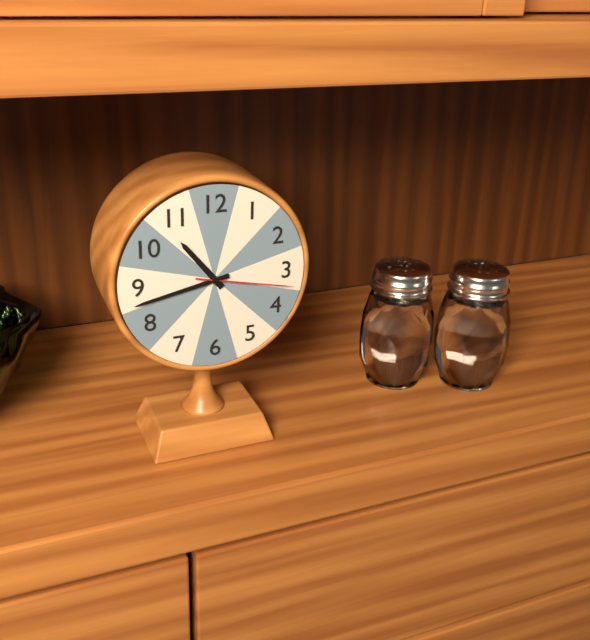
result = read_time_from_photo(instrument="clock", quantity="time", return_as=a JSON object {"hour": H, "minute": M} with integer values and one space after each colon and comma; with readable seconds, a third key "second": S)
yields {"hour": 10, "minute": 43, "second": 17}
